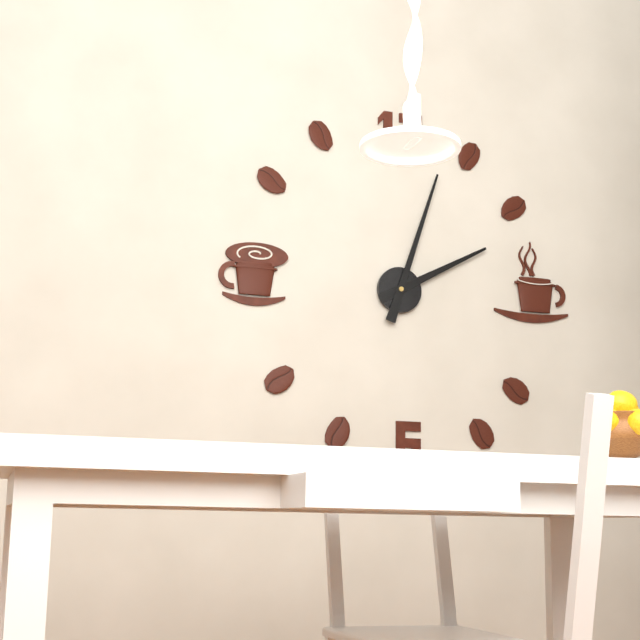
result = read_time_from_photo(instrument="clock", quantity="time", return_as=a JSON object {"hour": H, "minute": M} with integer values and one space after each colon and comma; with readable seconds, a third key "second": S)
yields {"hour": 2, "minute": 3}
